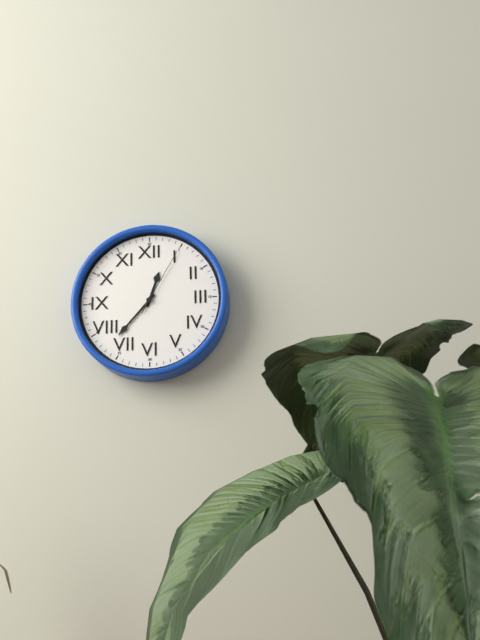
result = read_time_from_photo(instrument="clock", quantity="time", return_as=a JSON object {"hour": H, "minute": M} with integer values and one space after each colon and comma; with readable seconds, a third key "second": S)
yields {"hour": 12, "minute": 37, "second": 5}
